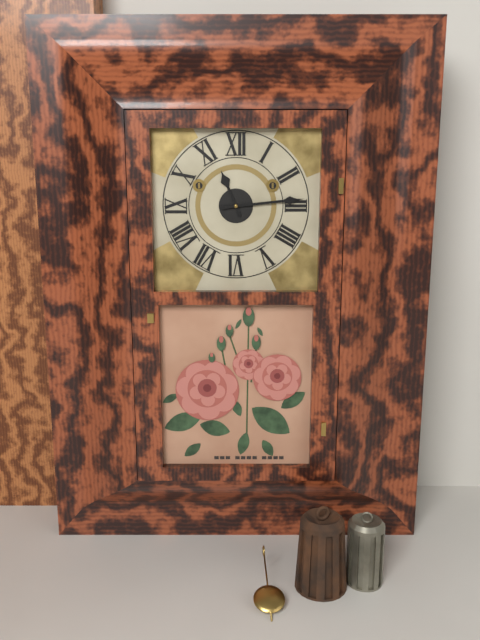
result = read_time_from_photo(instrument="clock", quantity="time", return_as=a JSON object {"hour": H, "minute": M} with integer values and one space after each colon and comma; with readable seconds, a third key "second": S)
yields {"hour": 11, "minute": 14}
